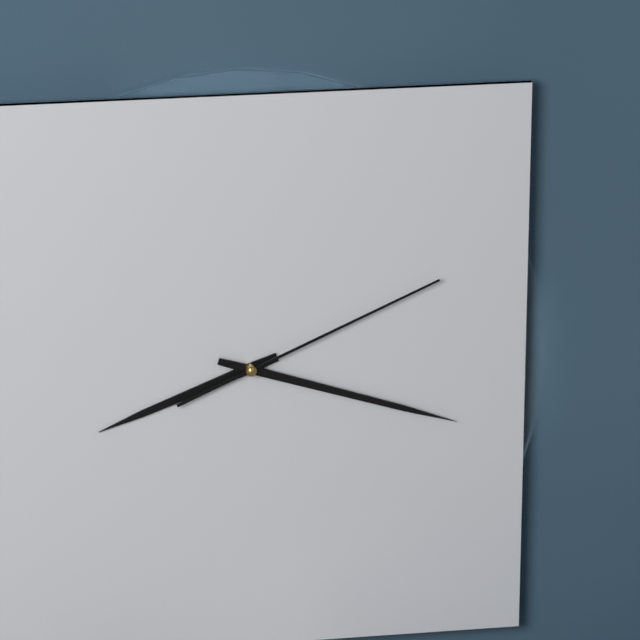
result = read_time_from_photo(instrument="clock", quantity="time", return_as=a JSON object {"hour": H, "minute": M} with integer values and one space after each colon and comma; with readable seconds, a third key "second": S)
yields {"hour": 8, "minute": 18, "second": 11}
